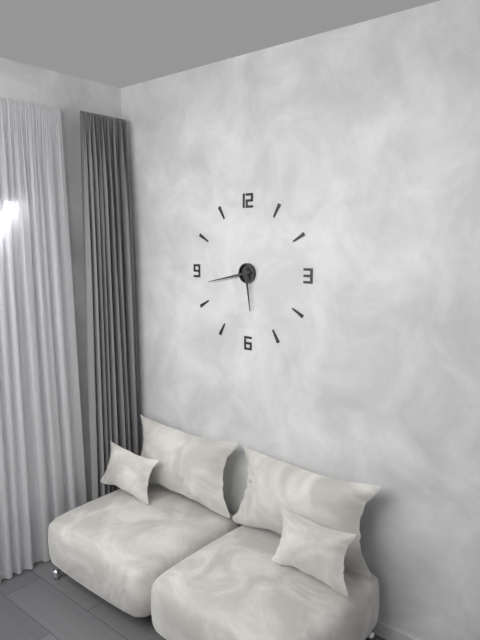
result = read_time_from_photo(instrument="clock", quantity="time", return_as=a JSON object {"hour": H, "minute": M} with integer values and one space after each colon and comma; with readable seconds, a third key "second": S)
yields {"hour": 5, "minute": 43}
